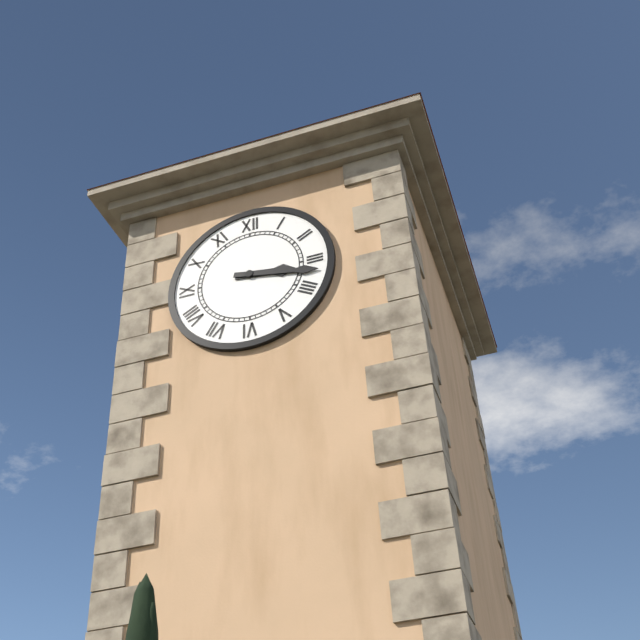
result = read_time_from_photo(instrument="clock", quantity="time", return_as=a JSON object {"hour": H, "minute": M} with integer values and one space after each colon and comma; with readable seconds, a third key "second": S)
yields {"hour": 3, "minute": 17}
